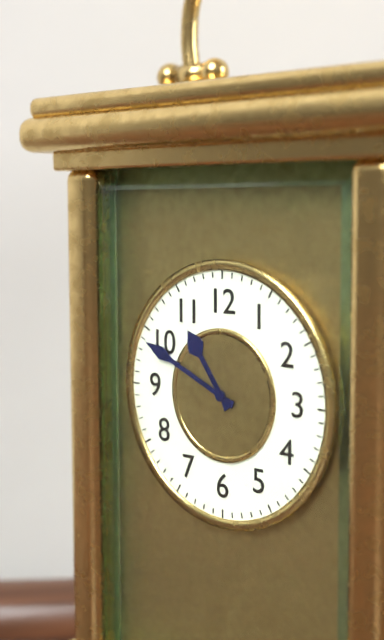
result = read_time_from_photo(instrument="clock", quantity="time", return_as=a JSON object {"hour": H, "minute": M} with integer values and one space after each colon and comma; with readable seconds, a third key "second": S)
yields {"hour": 10, "minute": 49}
